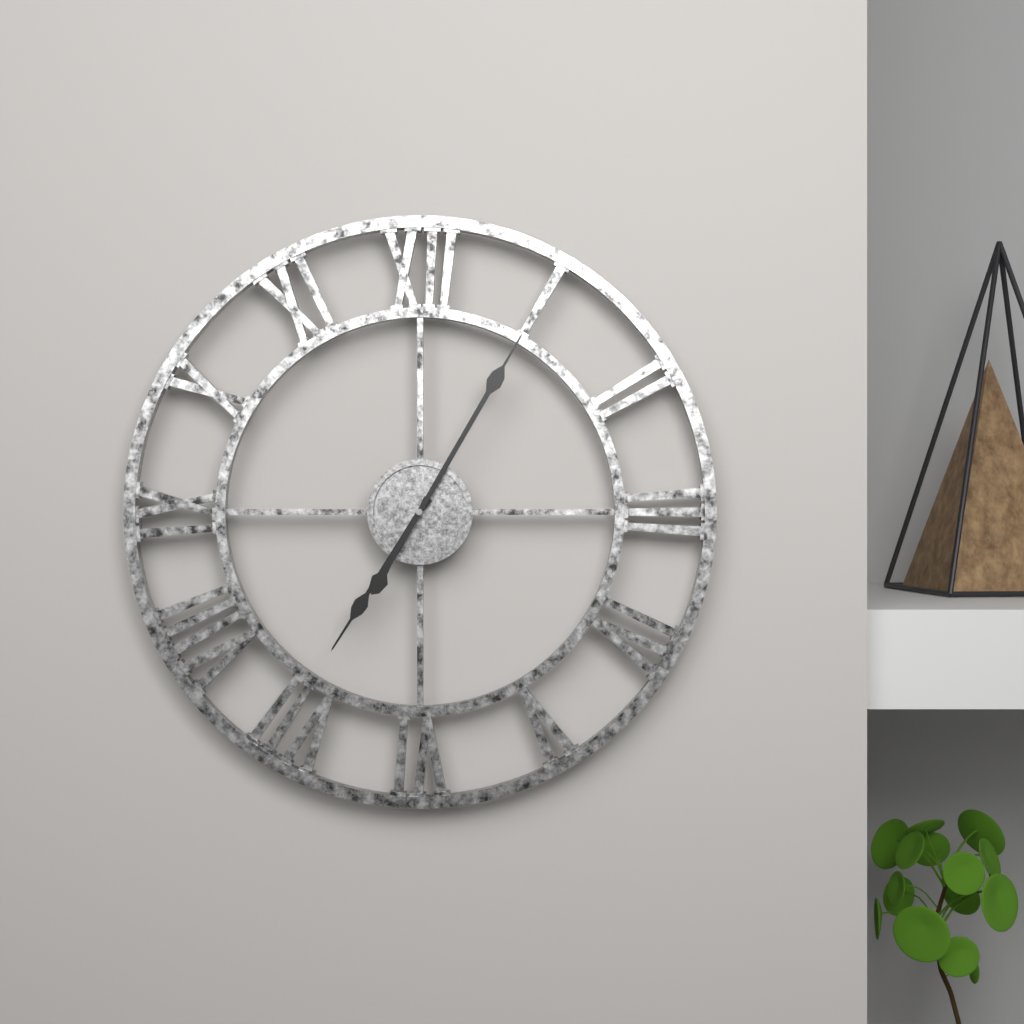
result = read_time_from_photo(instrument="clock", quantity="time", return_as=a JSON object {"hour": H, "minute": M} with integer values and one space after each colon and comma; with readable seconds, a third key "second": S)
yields {"hour": 7, "minute": 5}
